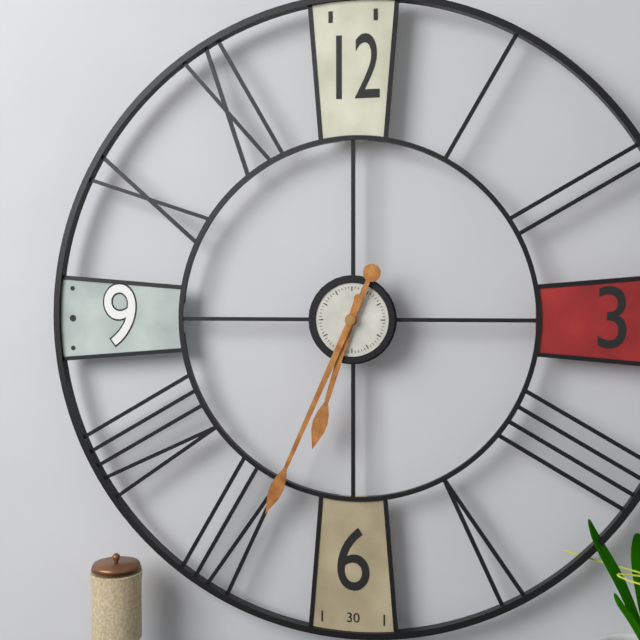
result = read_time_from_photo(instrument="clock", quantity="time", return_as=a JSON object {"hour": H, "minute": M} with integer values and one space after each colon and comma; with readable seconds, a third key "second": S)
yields {"hour": 6, "minute": 34}
